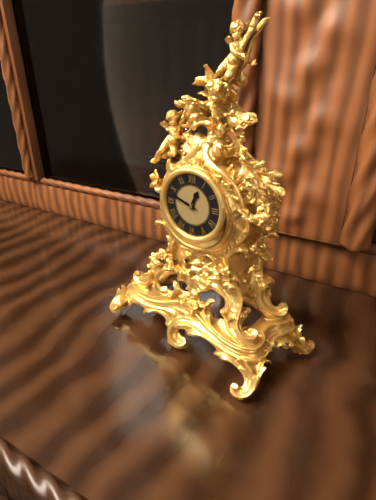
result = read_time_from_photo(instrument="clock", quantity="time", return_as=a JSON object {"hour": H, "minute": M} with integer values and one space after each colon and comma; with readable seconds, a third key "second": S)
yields {"hour": 12, "minute": 48}
